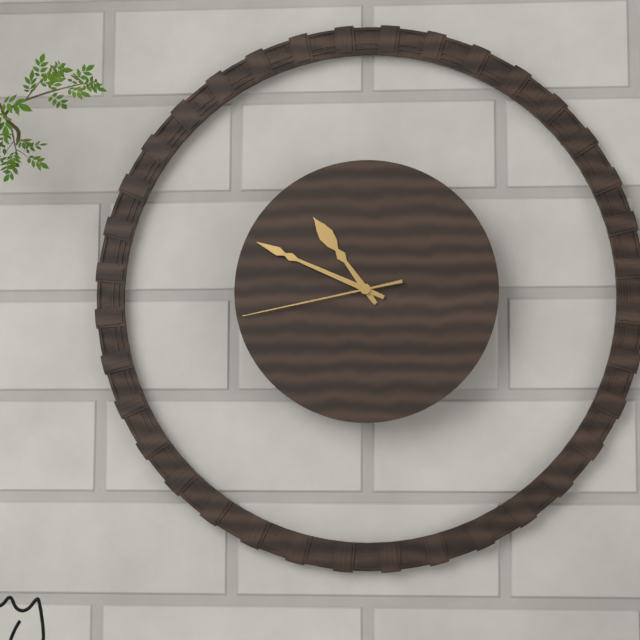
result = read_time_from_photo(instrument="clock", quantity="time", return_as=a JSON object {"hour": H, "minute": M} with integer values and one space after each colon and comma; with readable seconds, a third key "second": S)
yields {"hour": 10, "minute": 49, "second": 43}
